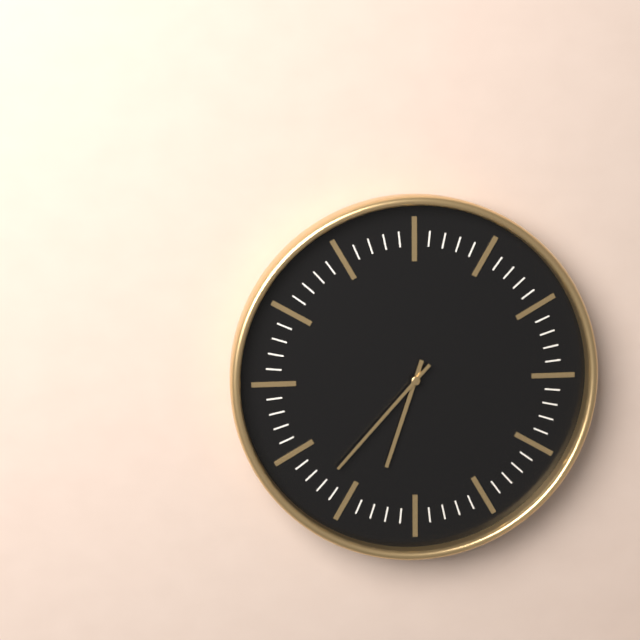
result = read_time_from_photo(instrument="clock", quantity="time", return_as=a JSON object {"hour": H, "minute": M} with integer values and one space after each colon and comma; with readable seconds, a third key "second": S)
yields {"hour": 6, "minute": 37}
